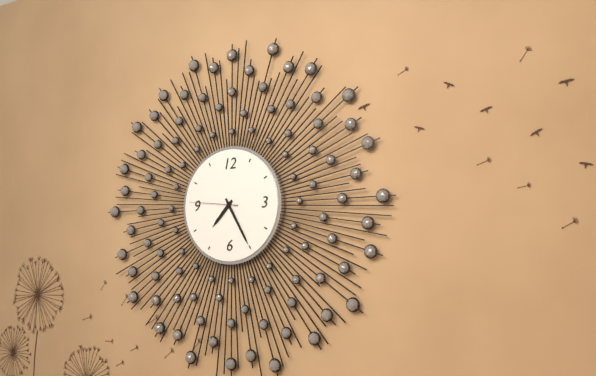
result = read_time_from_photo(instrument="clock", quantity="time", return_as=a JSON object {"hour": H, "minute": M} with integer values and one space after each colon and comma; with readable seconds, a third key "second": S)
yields {"hour": 7, "minute": 25}
